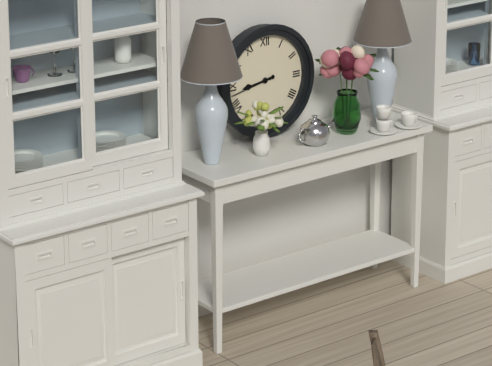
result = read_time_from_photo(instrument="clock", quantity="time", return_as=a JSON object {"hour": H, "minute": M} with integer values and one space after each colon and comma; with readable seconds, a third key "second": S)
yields {"hour": 8, "minute": 43}
